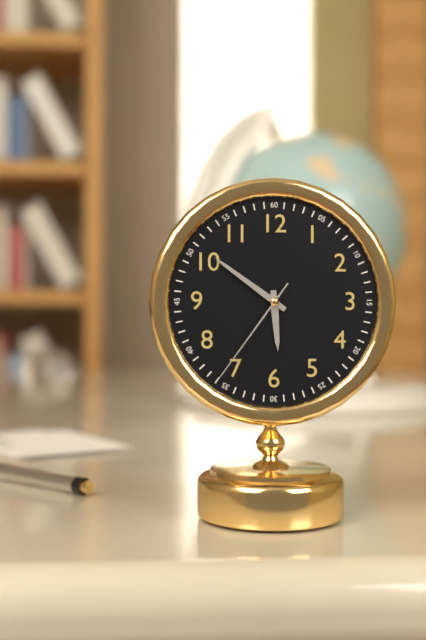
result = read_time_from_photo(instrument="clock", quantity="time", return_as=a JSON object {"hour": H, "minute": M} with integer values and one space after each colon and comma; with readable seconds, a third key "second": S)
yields {"hour": 5, "minute": 51, "second": 36}
